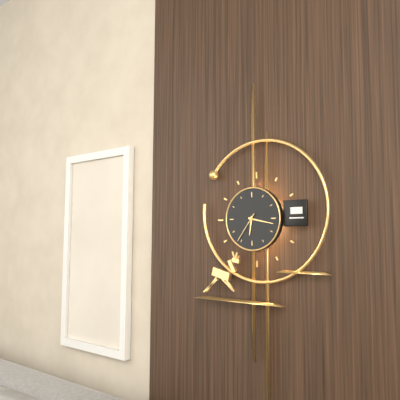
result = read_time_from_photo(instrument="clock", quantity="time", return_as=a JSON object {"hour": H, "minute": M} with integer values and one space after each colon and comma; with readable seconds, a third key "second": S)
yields {"hour": 6, "minute": 17}
